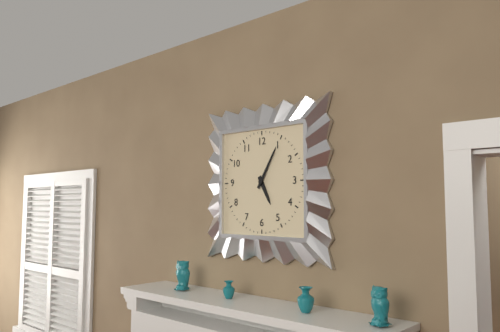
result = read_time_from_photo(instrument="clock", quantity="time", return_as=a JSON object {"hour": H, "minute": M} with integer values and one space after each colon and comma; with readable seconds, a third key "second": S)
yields {"hour": 5, "minute": 5}
